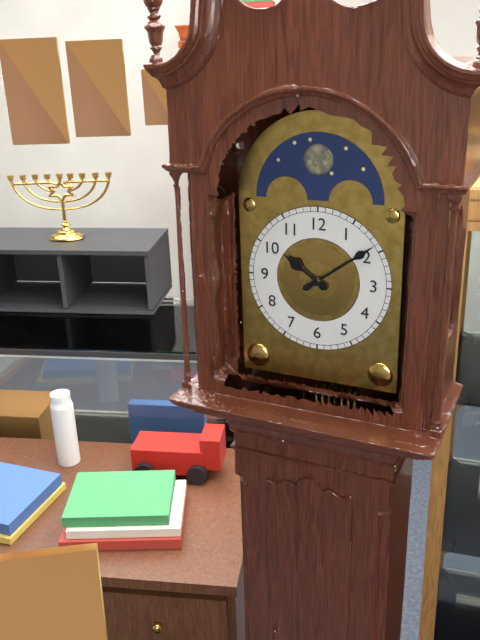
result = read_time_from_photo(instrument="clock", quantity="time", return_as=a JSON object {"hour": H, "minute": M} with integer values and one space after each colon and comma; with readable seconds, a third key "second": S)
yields {"hour": 10, "minute": 9}
